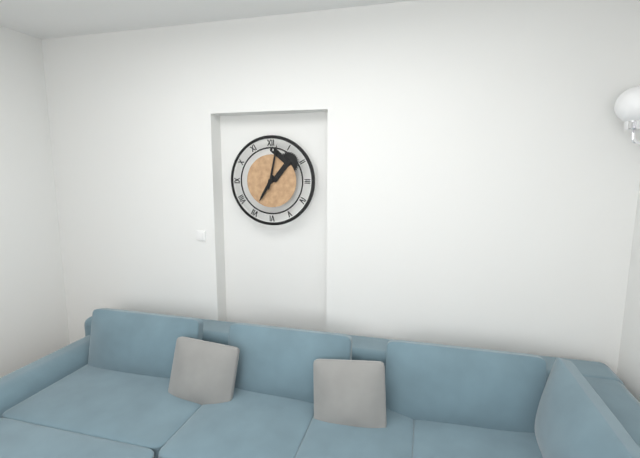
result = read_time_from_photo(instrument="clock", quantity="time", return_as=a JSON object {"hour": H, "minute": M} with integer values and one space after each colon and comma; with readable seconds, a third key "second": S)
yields {"hour": 7, "minute": 2}
